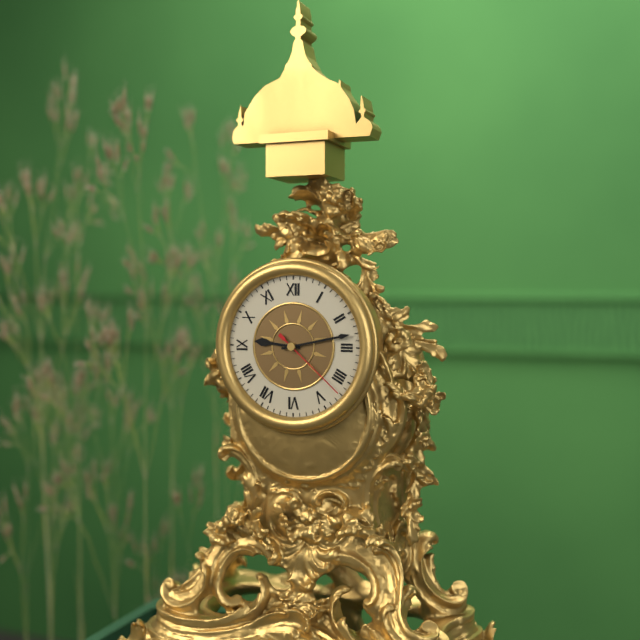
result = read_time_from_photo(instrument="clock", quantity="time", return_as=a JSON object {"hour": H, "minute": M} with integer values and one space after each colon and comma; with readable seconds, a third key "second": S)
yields {"hour": 9, "minute": 13, "second": 22}
